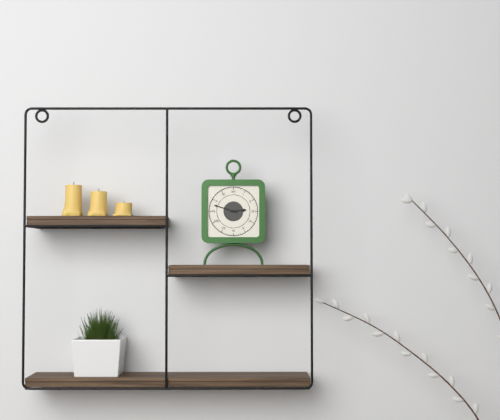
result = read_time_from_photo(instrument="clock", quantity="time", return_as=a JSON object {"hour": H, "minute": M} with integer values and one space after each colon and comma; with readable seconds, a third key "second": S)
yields {"hour": 2, "minute": 48}
